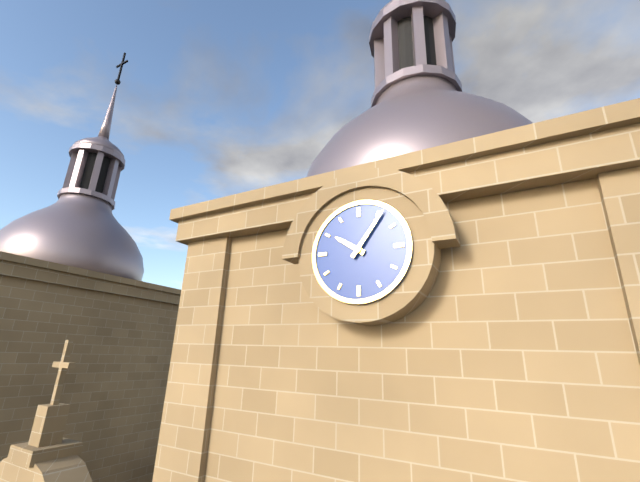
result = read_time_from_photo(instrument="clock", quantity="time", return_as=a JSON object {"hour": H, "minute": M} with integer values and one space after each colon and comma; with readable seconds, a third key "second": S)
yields {"hour": 10, "minute": 6}
